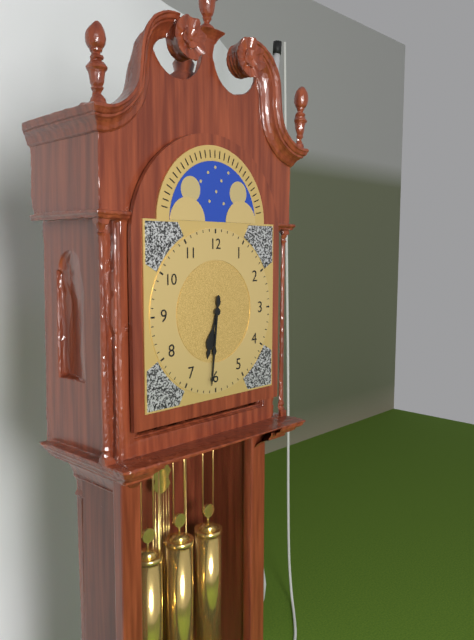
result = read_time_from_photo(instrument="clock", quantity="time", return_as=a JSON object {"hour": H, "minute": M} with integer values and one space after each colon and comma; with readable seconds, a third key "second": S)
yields {"hour": 6, "minute": 31}
